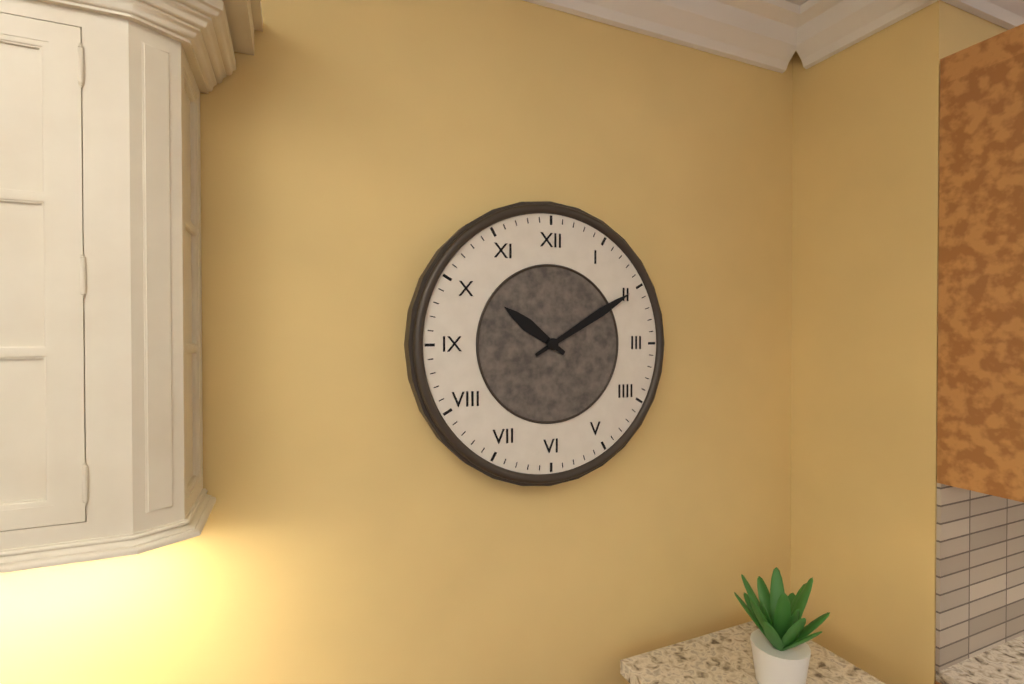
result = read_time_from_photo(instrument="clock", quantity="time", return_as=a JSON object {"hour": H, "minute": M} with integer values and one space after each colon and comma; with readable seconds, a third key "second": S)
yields {"hour": 10, "minute": 10}
